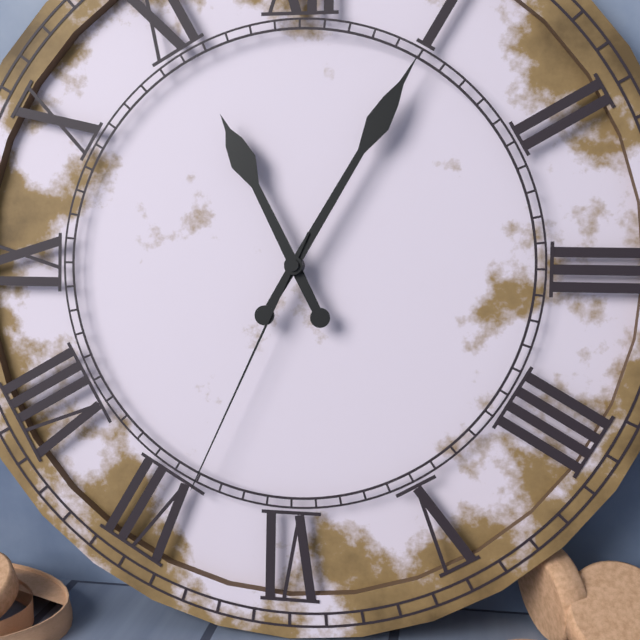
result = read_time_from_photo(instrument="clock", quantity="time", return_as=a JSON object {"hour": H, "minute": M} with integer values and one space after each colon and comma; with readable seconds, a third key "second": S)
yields {"hour": 11, "minute": 5, "second": 34}
